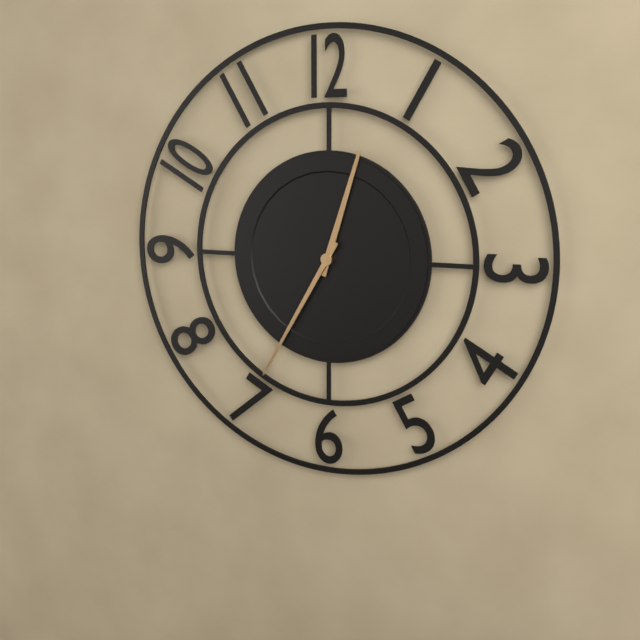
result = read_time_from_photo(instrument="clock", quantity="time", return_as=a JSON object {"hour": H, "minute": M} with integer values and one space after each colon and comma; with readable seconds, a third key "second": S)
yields {"hour": 12, "minute": 35}
